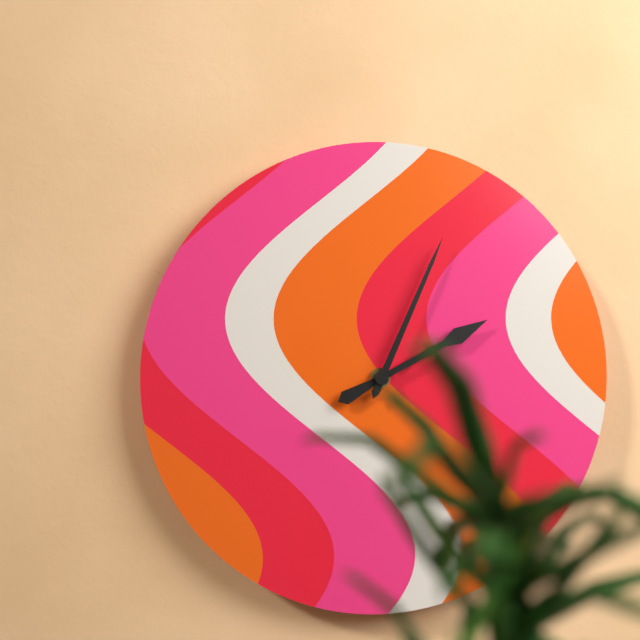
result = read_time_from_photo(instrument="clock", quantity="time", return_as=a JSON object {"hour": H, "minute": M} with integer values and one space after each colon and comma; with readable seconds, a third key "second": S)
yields {"hour": 2, "minute": 4}
